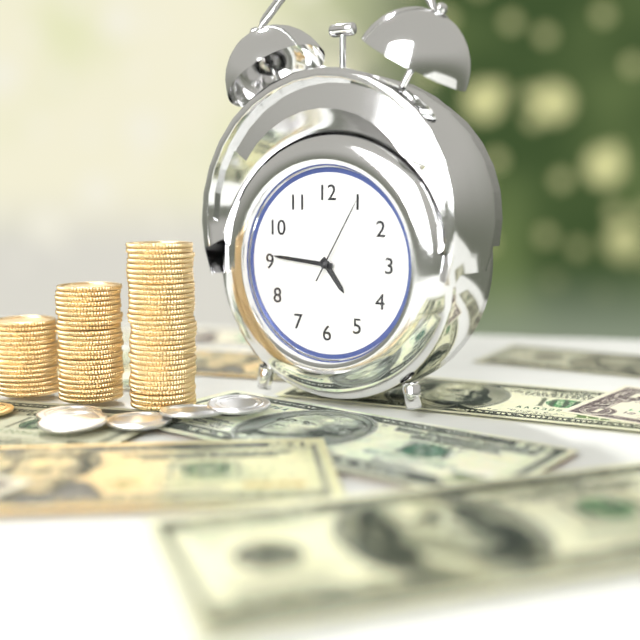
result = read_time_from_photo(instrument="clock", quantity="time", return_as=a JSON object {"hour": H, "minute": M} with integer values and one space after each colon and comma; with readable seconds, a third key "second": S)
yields {"hour": 4, "minute": 46, "second": 5}
